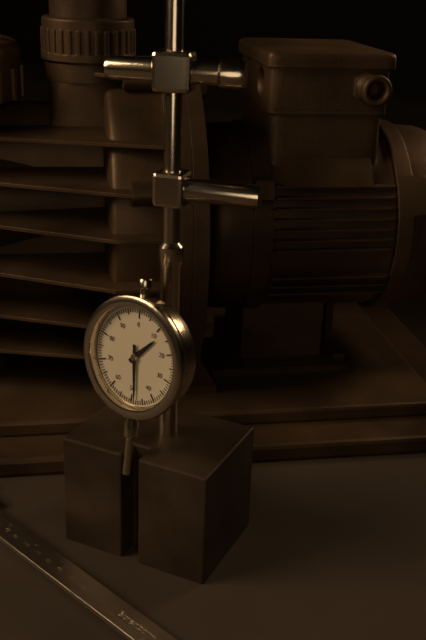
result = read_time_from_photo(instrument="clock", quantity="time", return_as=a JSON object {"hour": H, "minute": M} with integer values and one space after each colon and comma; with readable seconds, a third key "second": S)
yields {"hour": 1, "minute": 29}
